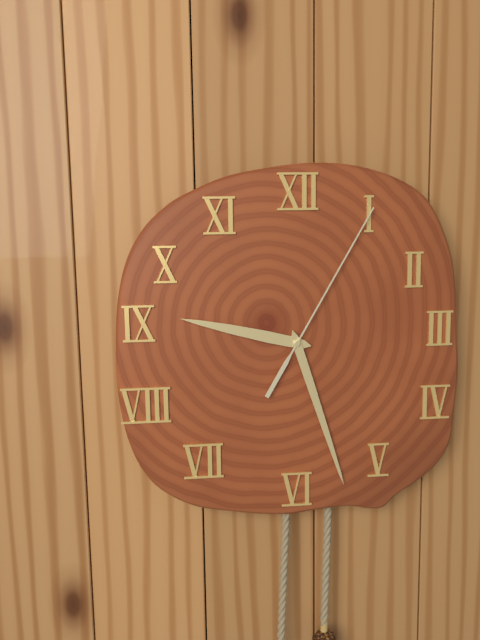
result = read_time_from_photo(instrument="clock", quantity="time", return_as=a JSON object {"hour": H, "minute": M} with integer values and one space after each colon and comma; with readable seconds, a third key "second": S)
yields {"hour": 9, "minute": 27, "second": 5}
